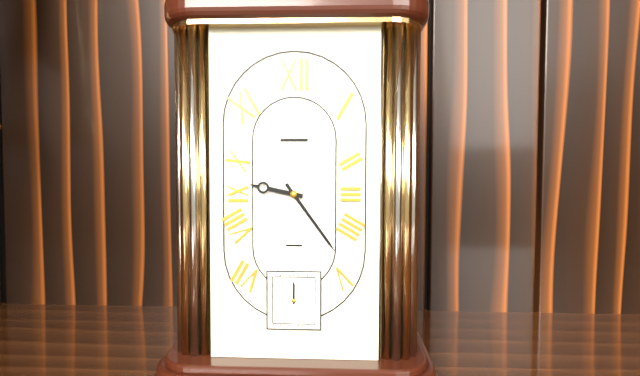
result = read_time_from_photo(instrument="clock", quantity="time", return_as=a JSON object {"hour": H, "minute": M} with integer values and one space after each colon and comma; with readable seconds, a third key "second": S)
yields {"hour": 9, "minute": 24}
